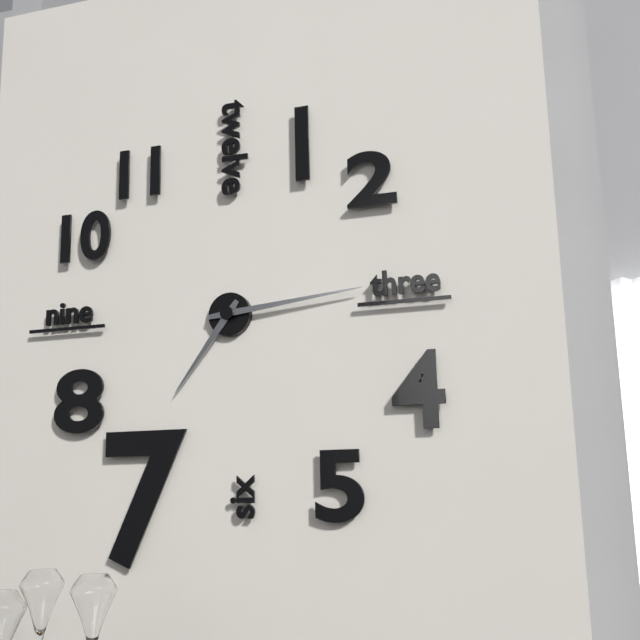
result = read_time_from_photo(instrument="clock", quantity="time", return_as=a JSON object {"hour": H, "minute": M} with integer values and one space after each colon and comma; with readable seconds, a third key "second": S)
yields {"hour": 7, "minute": 14}
